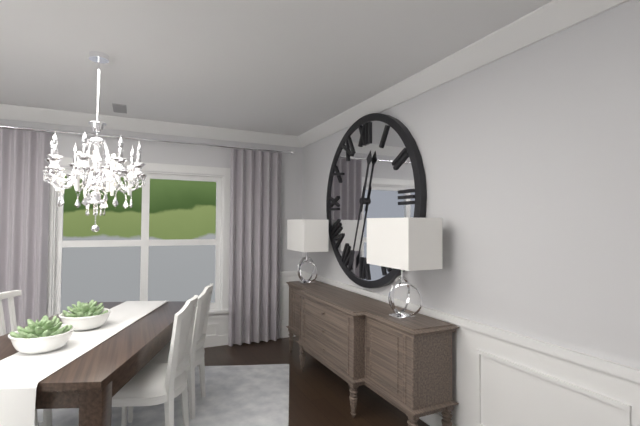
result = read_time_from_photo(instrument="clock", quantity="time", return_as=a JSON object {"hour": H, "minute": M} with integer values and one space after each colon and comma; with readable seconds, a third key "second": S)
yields {"hour": 12, "minute": 33}
